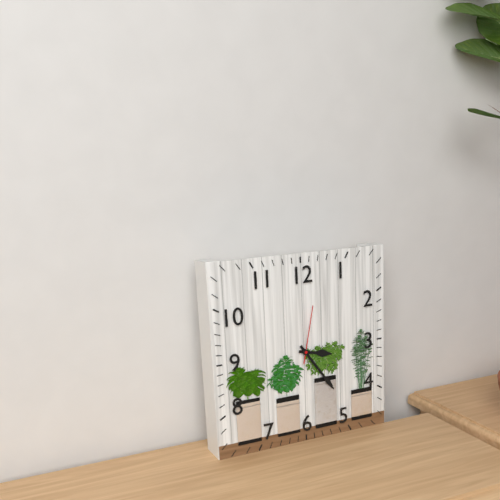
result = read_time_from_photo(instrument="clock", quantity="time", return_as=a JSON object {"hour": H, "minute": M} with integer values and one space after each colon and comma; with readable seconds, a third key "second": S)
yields {"hour": 3, "minute": 24, "second": 2}
